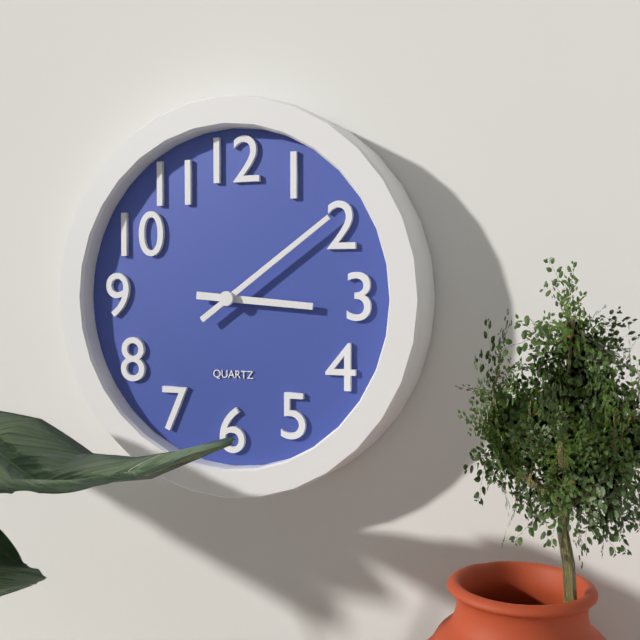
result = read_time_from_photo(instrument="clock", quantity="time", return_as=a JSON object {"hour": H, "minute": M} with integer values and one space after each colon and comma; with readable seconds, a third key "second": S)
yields {"hour": 3, "minute": 9}
